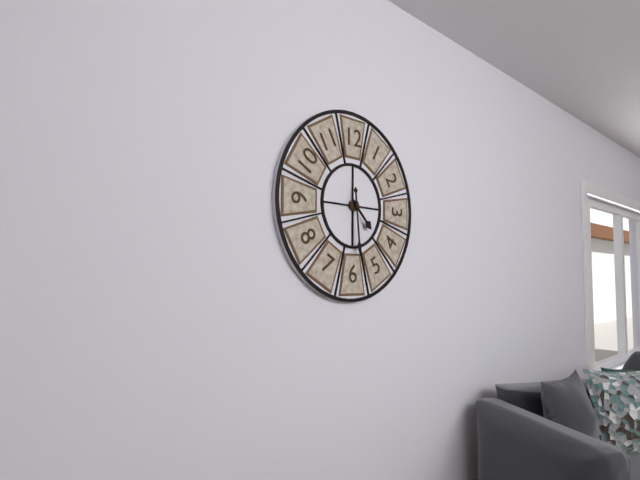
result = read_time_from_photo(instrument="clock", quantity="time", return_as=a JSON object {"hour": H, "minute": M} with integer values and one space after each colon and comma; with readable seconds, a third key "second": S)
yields {"hour": 4, "minute": 29}
